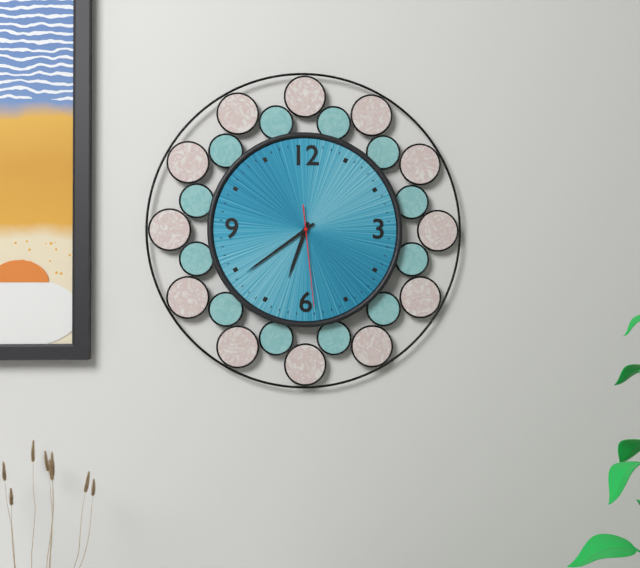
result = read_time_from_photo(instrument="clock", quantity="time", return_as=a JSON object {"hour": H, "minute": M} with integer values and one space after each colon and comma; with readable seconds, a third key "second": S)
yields {"hour": 6, "minute": 39, "second": 29}
